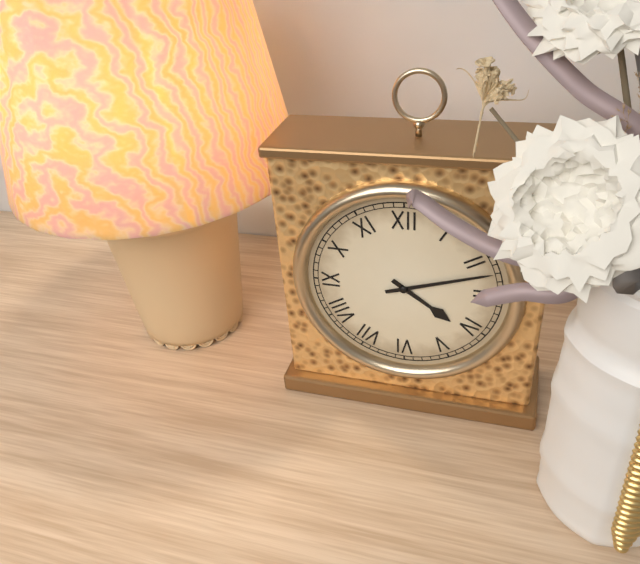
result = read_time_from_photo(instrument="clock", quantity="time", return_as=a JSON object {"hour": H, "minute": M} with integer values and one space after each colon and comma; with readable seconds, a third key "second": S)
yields {"hour": 4, "minute": 12}
